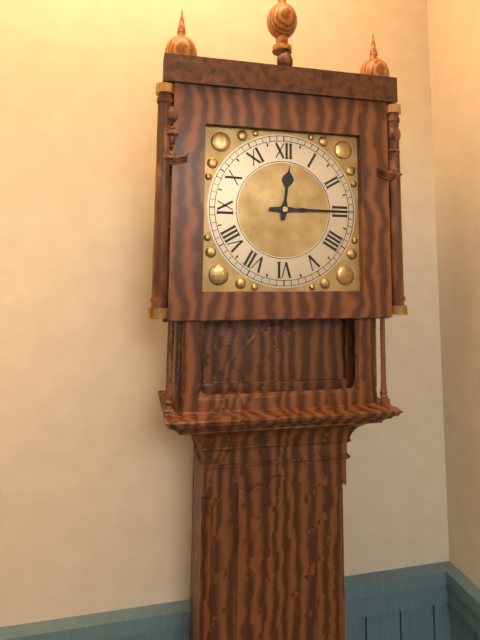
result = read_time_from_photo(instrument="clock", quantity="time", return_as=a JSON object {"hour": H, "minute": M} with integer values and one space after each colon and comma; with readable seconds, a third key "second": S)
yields {"hour": 12, "minute": 15}
